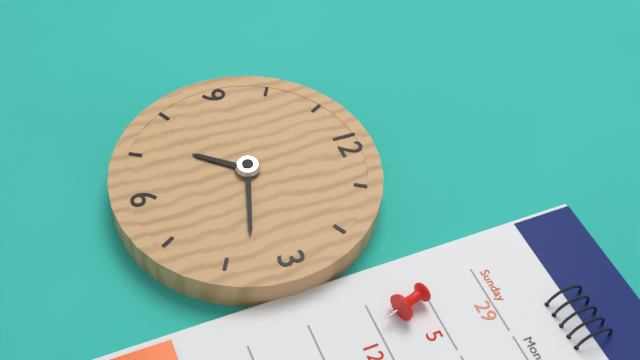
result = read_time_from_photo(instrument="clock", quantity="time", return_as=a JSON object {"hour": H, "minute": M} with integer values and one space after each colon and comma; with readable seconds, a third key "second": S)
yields {"hour": 7, "minute": 18}
